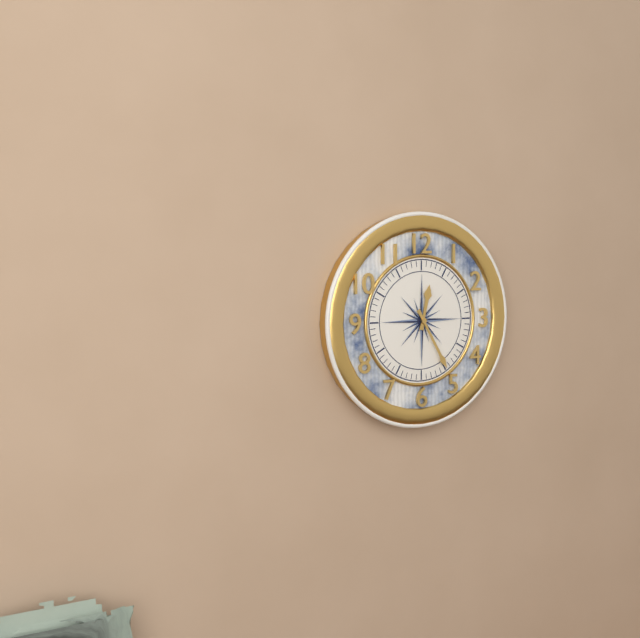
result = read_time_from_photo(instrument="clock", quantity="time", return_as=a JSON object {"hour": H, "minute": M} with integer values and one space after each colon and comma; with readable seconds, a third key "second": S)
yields {"hour": 12, "minute": 25}
